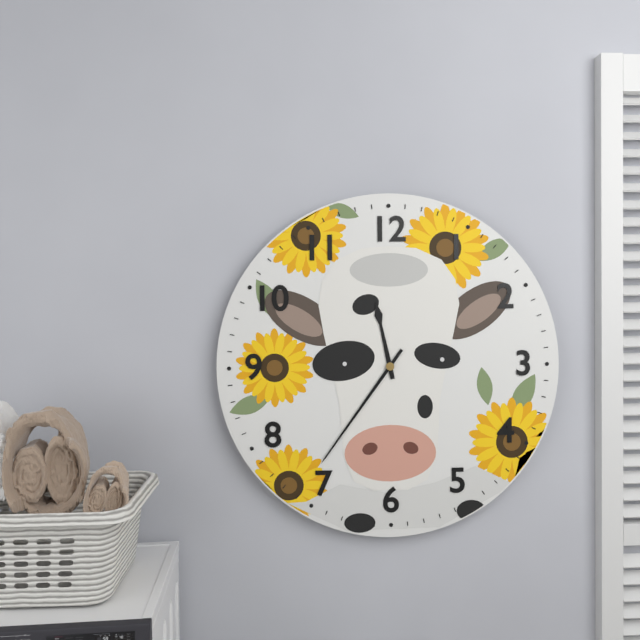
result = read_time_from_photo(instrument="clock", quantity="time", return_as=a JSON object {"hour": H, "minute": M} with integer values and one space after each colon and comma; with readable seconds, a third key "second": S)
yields {"hour": 11, "minute": 36}
